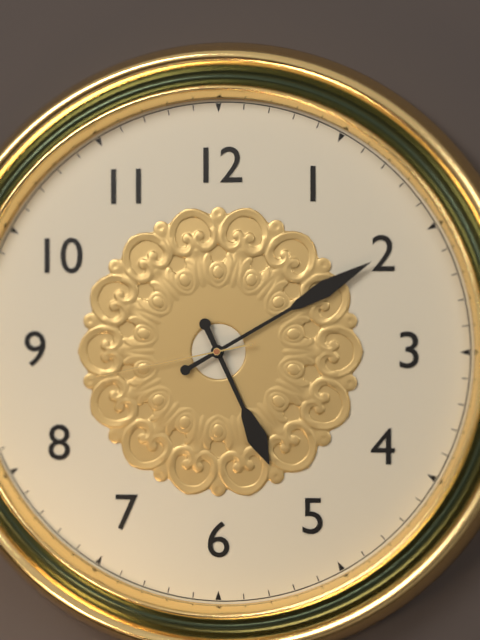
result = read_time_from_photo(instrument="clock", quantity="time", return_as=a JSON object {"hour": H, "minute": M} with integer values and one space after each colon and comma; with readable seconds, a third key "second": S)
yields {"hour": 5, "minute": 10, "second": 43}
